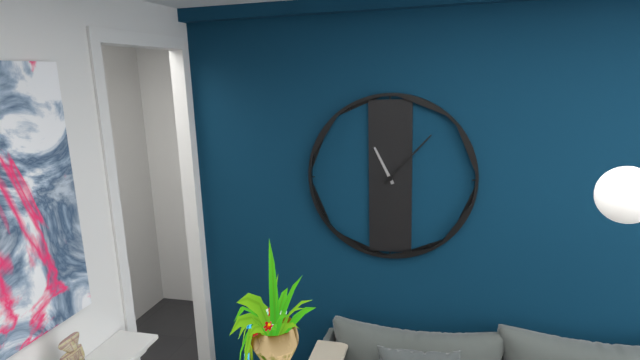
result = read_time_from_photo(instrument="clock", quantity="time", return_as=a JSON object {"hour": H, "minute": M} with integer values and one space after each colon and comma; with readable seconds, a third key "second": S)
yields {"hour": 11, "minute": 7}
